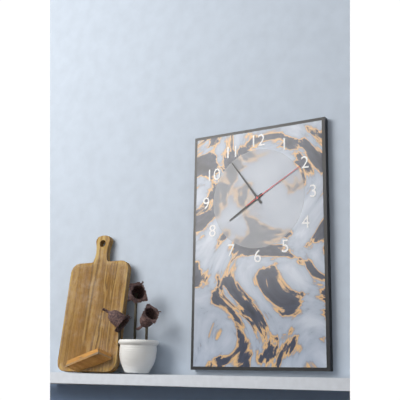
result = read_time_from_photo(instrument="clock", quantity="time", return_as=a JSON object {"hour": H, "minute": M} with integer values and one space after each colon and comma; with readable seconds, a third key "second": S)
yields {"hour": 7, "minute": 54, "second": 10}
